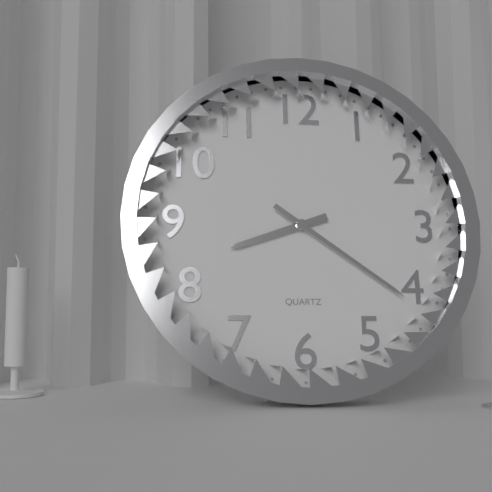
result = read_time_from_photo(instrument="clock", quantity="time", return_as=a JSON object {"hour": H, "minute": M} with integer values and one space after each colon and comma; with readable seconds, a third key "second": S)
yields {"hour": 8, "minute": 21}
